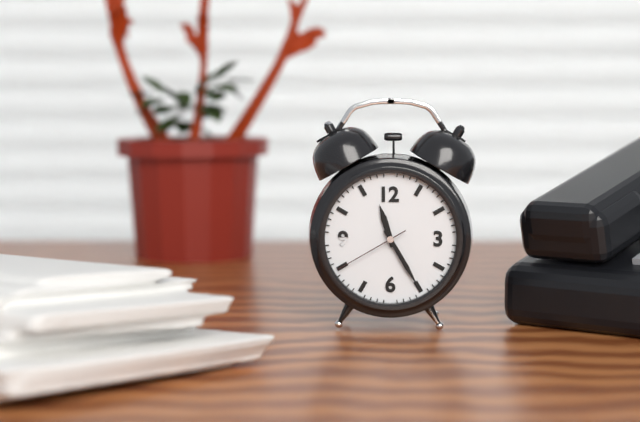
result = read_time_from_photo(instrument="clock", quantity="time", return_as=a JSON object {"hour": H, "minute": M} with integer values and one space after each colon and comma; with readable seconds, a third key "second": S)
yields {"hour": 11, "minute": 25, "second": 40}
